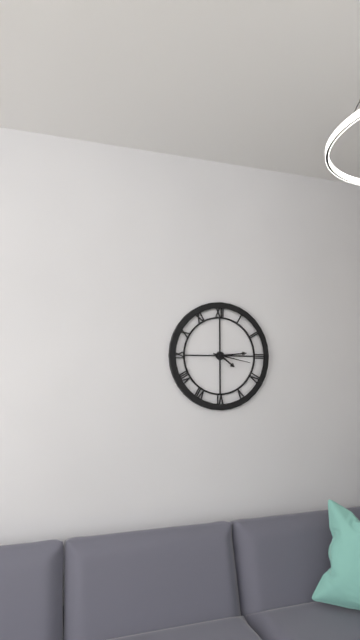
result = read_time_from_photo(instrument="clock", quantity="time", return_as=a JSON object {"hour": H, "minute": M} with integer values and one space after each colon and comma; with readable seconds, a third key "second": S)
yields {"hour": 4, "minute": 14}
